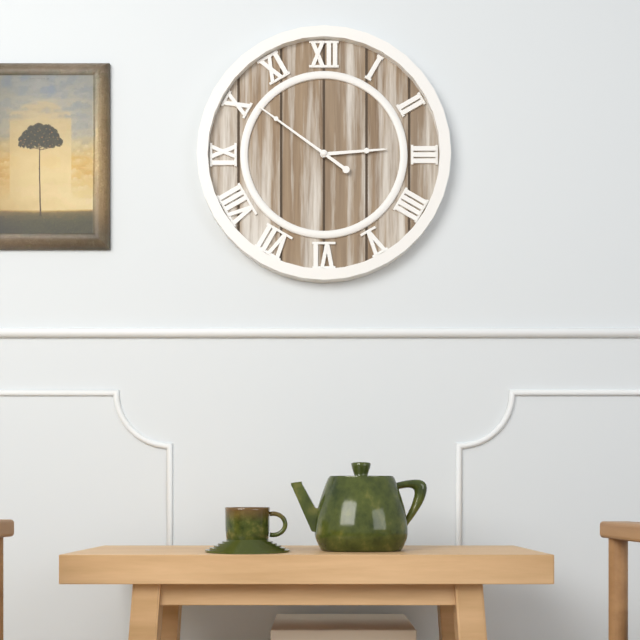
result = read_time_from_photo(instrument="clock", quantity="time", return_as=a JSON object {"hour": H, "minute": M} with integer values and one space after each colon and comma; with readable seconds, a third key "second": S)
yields {"hour": 2, "minute": 51}
